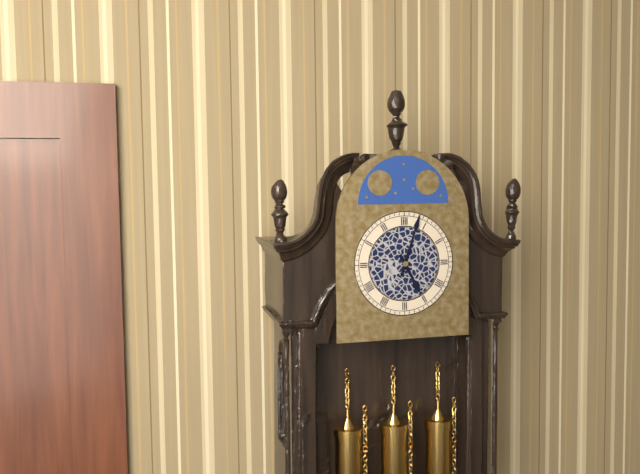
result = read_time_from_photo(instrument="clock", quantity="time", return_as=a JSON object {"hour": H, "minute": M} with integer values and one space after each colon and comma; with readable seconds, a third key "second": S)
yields {"hour": 5, "minute": 3}
